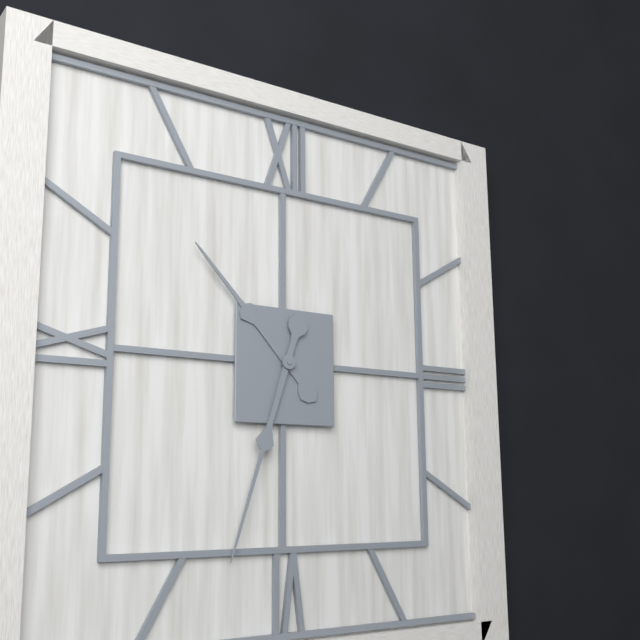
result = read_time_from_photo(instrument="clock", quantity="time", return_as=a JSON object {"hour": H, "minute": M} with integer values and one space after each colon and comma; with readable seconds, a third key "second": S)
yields {"hour": 10, "minute": 33}
